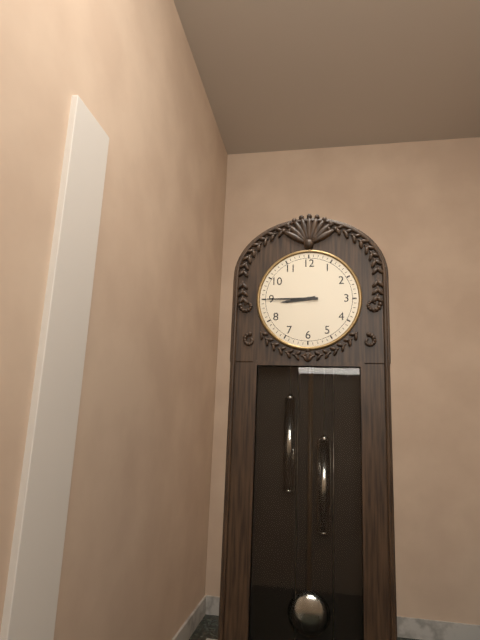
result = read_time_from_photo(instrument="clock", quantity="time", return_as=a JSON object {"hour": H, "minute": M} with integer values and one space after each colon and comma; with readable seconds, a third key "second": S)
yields {"hour": 8, "minute": 45}
